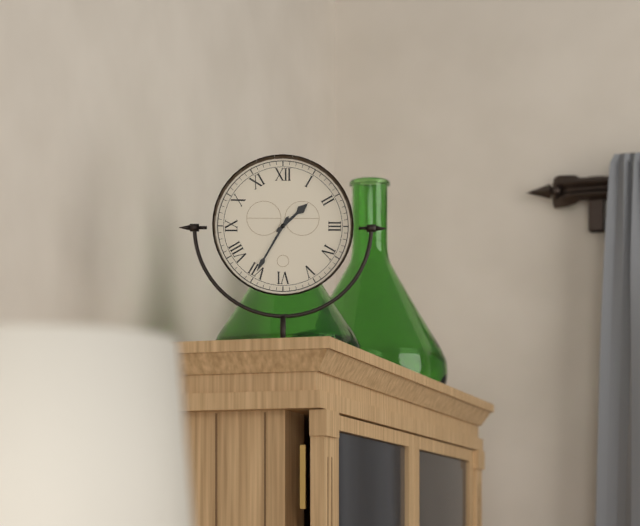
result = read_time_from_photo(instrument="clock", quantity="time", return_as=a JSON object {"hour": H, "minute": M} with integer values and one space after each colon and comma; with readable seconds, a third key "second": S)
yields {"hour": 1, "minute": 35}
